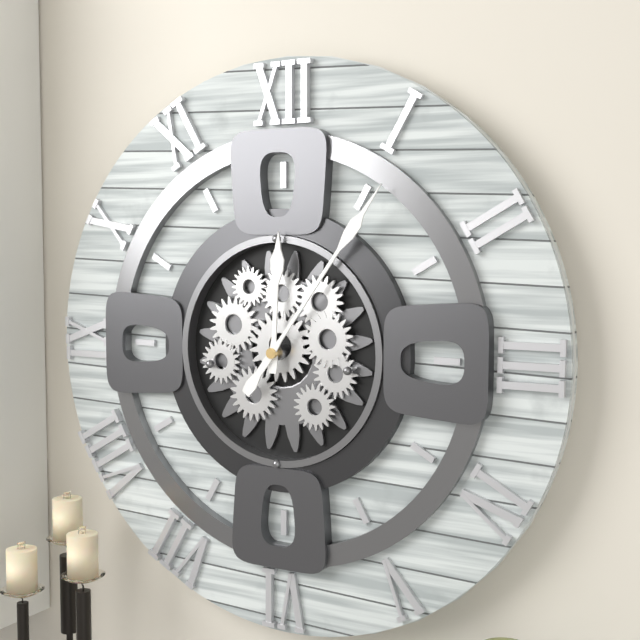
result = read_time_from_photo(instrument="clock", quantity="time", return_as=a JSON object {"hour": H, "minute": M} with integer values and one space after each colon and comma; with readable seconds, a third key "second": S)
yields {"hour": 12, "minute": 6}
